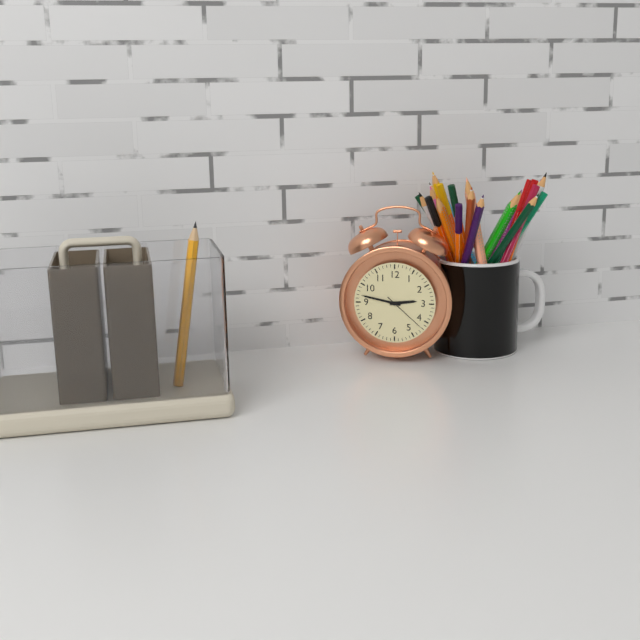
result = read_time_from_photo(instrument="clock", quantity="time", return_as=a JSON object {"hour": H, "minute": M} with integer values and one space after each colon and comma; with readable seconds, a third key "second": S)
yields {"hour": 2, "minute": 47}
